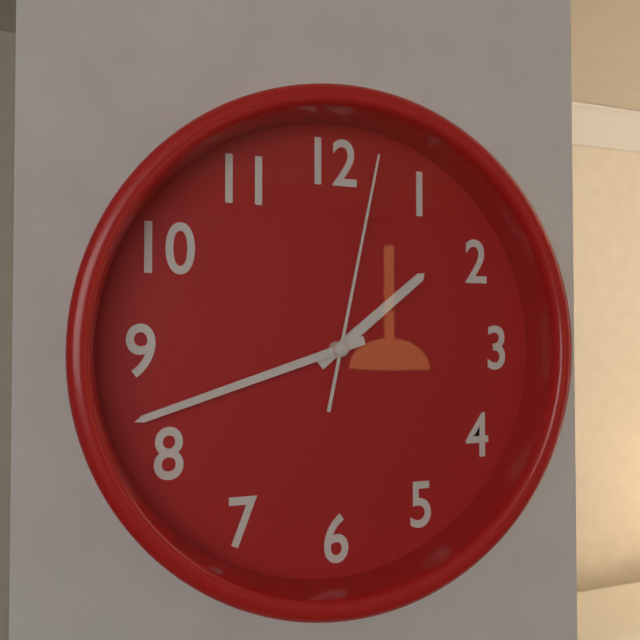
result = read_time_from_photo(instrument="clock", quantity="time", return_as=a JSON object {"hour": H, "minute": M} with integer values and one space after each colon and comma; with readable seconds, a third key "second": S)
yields {"hour": 1, "minute": 42, "second": 2}
